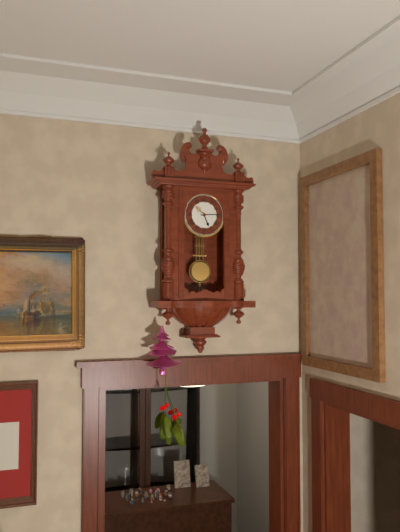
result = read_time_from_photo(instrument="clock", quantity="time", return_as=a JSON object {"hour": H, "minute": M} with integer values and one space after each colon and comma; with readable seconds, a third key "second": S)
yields {"hour": 5, "minute": 14}
